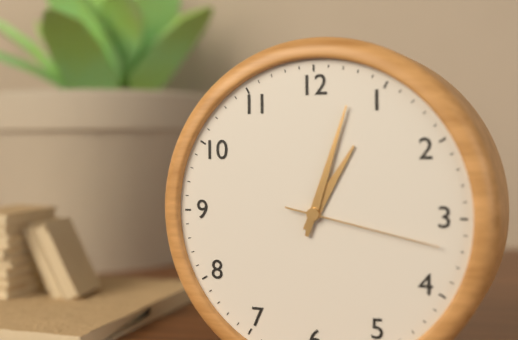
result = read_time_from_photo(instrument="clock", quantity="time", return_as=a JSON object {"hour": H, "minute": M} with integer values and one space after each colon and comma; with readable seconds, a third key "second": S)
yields {"hour": 1, "minute": 3, "second": 17}
